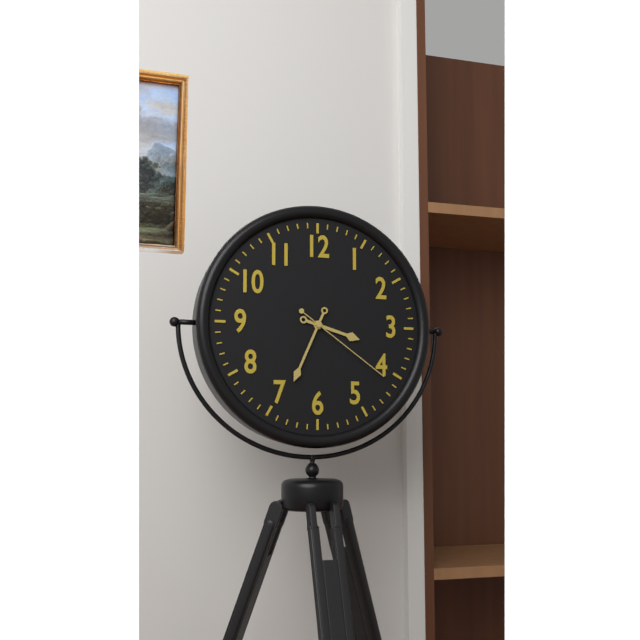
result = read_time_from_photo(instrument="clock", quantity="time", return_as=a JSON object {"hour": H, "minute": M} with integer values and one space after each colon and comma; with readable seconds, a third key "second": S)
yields {"hour": 3, "minute": 34, "second": 21}
